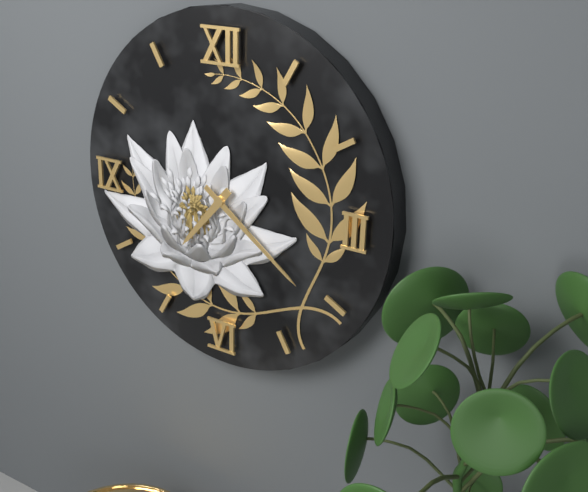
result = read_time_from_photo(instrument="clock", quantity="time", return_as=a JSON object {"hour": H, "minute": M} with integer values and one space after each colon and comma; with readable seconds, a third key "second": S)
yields {"hour": 7, "minute": 21}
